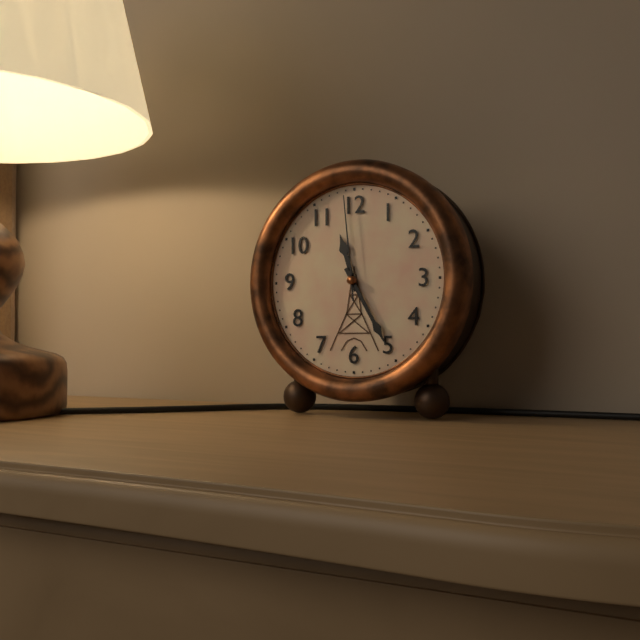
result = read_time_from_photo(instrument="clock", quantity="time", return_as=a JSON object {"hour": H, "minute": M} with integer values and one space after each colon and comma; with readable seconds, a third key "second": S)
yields {"hour": 11, "minute": 25, "second": 59}
